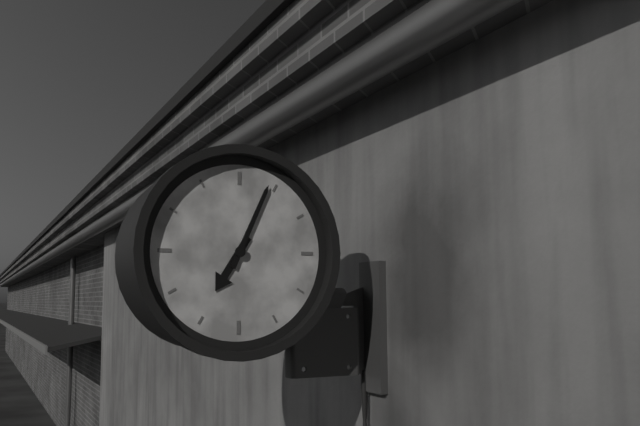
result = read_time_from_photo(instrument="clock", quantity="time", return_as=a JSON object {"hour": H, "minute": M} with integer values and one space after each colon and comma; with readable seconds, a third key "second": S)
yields {"hour": 7, "minute": 4}
